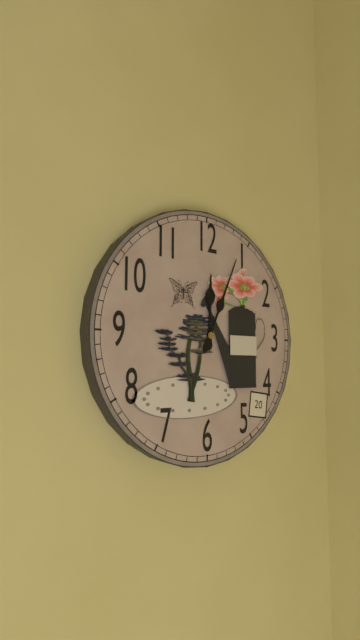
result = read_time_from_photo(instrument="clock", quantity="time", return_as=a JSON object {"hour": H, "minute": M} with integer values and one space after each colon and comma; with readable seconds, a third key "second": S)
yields {"hour": 12, "minute": 4}
